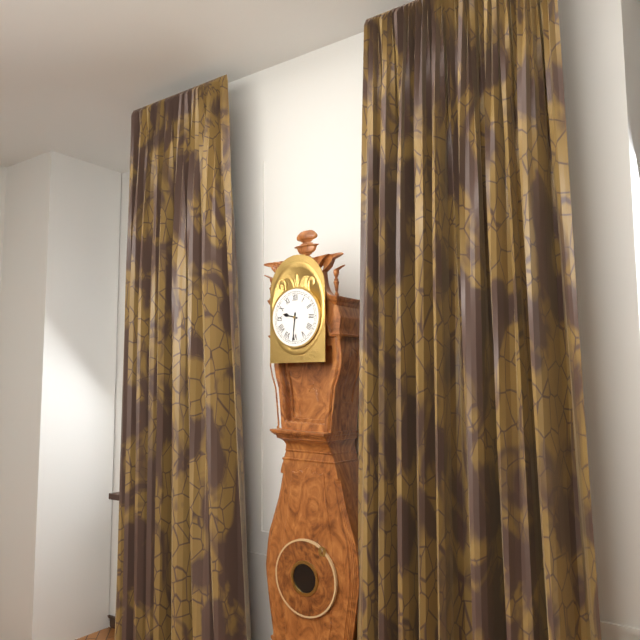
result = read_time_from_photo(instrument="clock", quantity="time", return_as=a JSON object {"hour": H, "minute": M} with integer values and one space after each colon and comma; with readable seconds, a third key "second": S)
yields {"hour": 9, "minute": 31}
